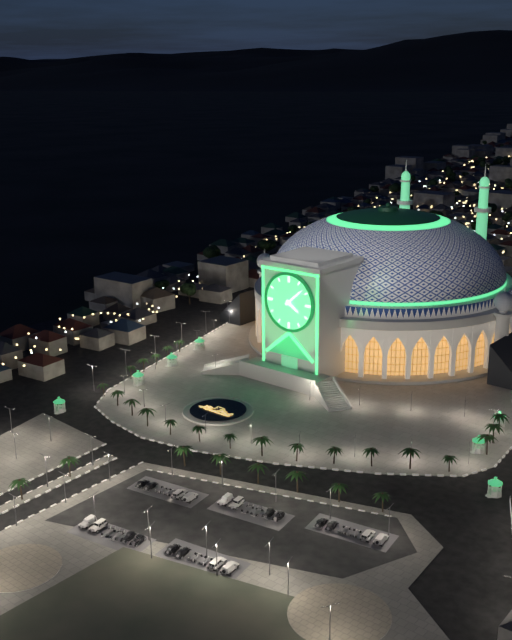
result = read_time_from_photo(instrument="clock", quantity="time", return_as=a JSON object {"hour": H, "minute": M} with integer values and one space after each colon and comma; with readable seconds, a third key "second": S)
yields {"hour": 4, "minute": 8}
